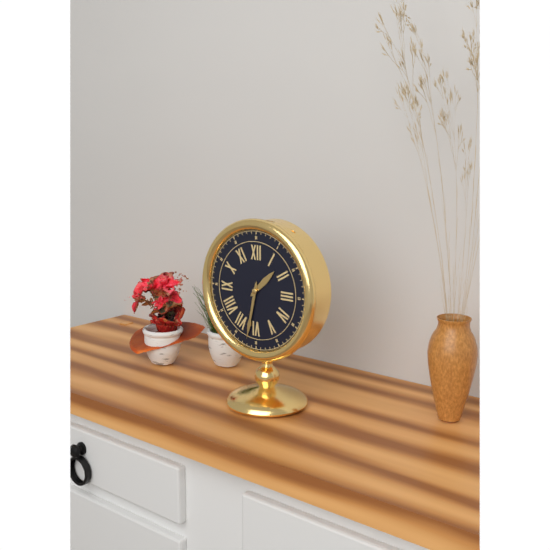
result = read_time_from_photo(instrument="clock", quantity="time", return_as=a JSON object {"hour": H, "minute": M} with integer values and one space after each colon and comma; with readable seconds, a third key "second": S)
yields {"hour": 1, "minute": 32}
